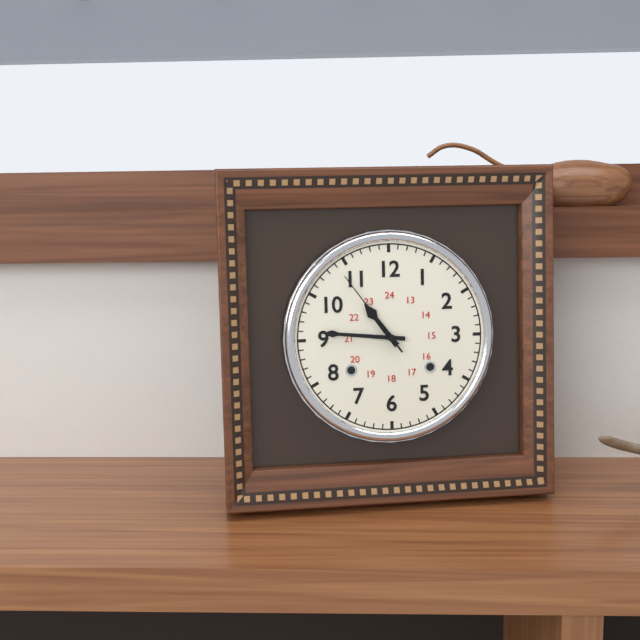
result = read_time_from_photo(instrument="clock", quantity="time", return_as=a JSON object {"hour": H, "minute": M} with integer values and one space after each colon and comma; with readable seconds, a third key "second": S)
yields {"hour": 10, "minute": 46, "second": 54}
